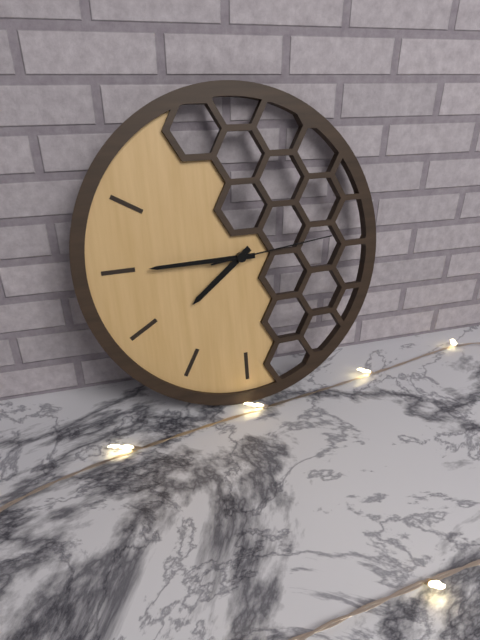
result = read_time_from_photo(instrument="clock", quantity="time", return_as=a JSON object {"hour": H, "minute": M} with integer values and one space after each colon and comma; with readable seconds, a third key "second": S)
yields {"hour": 7, "minute": 45, "second": 14}
